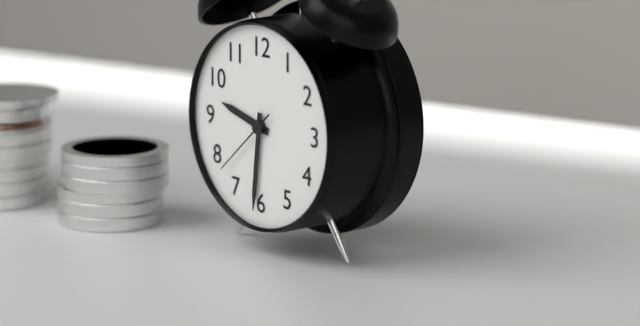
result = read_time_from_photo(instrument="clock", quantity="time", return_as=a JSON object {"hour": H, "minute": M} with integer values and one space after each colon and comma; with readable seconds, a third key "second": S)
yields {"hour": 9, "minute": 31, "second": 38}
